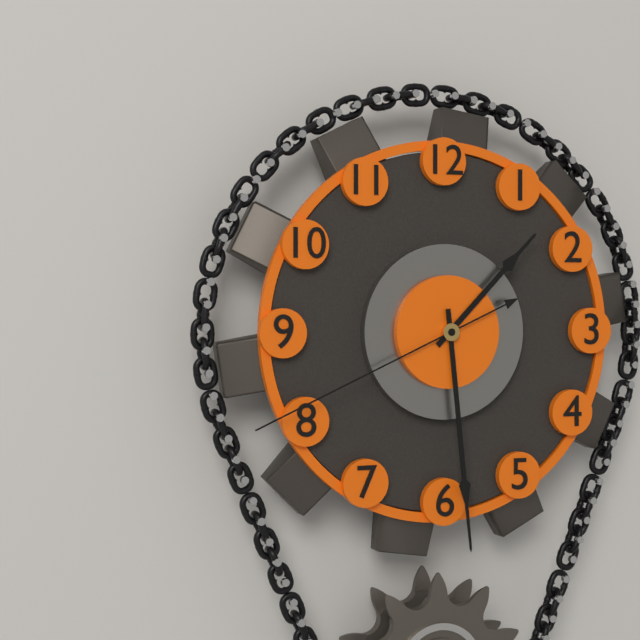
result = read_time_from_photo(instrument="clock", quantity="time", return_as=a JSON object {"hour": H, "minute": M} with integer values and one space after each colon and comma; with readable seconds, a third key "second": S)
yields {"hour": 1, "minute": 29, "second": 41}
